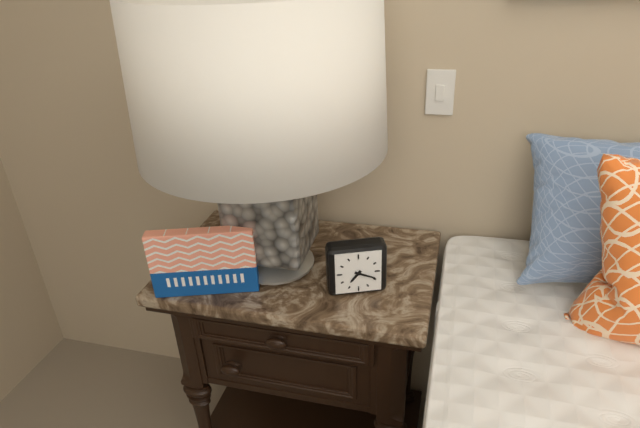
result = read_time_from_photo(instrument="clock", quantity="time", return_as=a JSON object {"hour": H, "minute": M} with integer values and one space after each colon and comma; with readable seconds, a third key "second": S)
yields {"hour": 7, "minute": 19}
